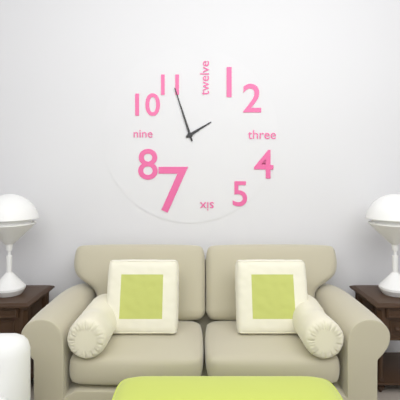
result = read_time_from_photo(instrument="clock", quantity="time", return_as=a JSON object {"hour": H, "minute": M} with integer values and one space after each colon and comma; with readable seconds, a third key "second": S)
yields {"hour": 1, "minute": 57}
